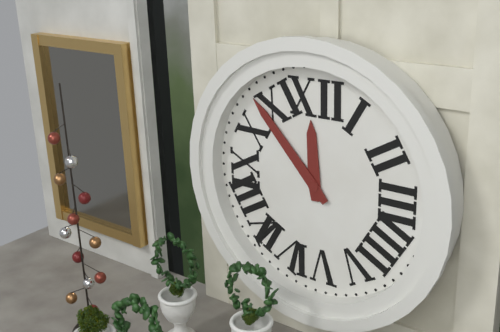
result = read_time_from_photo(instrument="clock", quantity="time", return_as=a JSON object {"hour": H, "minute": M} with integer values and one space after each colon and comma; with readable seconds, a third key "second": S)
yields {"hour": 11, "minute": 53}
